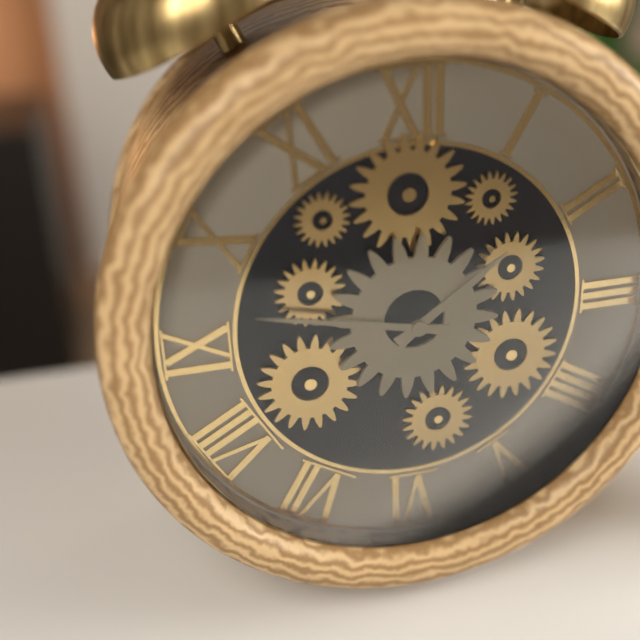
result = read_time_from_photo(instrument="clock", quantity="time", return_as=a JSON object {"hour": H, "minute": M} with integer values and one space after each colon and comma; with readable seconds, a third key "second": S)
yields {"hour": 1, "minute": 47}
